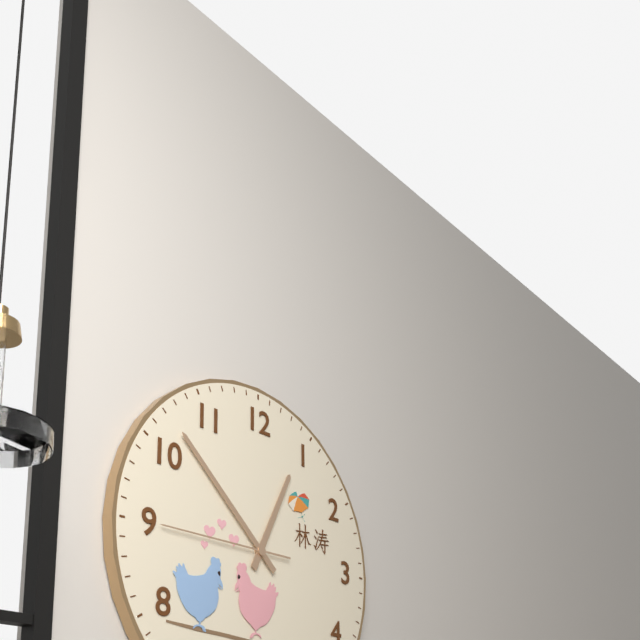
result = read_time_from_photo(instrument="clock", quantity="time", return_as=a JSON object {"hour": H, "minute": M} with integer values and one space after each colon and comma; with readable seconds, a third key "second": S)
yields {"hour": 12, "minute": 52, "second": 45}
